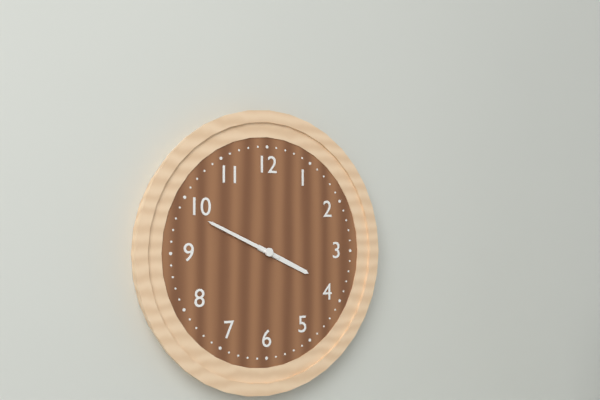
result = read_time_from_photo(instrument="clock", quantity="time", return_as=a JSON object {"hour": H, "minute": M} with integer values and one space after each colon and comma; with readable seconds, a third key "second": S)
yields {"hour": 3, "minute": 49}
